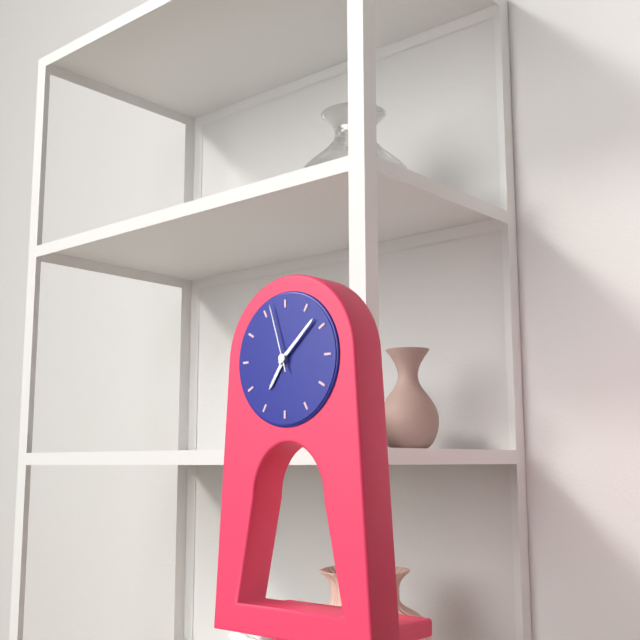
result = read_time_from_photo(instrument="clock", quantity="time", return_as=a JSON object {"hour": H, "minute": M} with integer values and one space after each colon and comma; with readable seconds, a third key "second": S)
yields {"hour": 7, "minute": 8, "second": 57}
